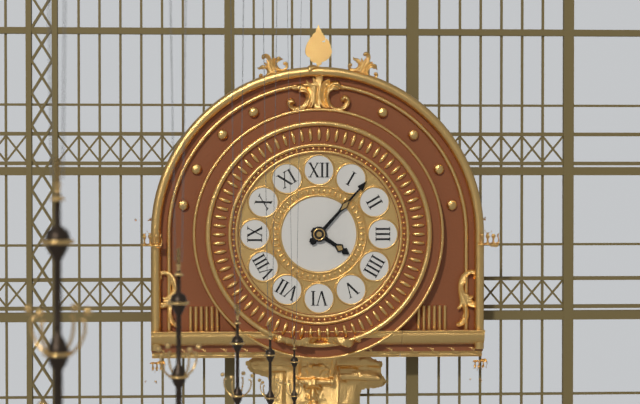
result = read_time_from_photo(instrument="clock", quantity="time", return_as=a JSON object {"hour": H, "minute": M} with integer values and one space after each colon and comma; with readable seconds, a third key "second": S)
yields {"hour": 4, "minute": 7}
